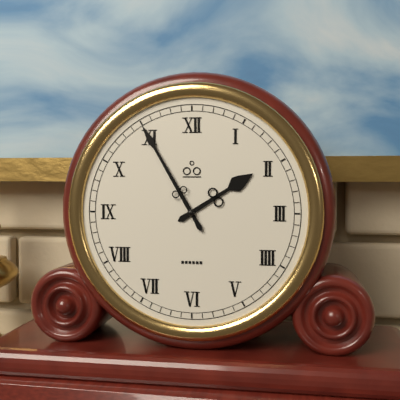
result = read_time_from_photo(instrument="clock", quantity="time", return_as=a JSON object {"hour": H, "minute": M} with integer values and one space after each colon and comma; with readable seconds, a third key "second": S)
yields {"hour": 1, "minute": 55}
